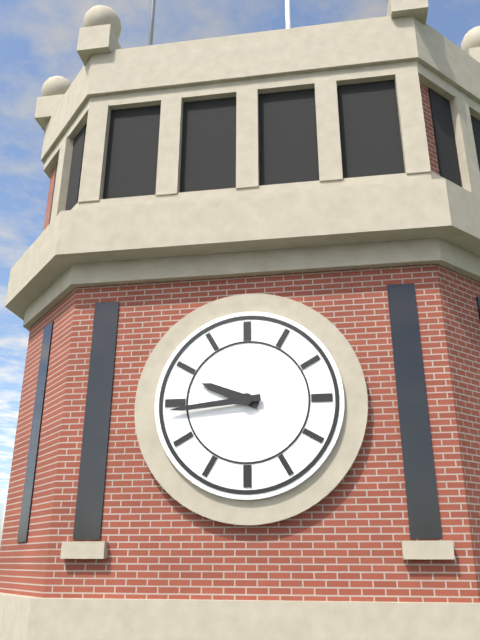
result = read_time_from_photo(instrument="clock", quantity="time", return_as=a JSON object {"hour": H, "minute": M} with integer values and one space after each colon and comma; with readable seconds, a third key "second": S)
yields {"hour": 9, "minute": 44}
